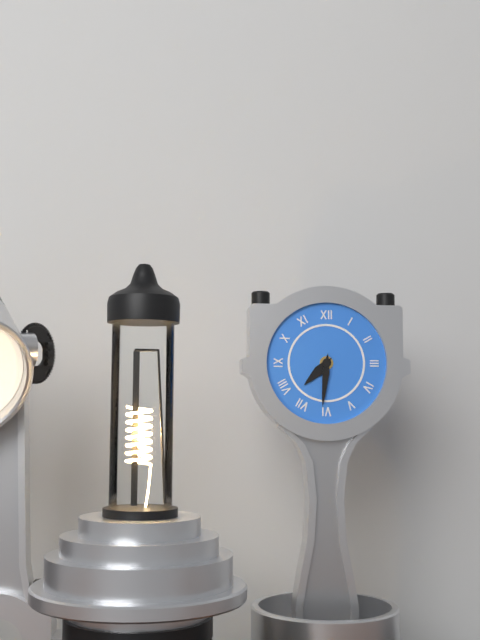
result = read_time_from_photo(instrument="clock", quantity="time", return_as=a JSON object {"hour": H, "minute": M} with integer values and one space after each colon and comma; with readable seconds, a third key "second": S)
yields {"hour": 7, "minute": 31}
